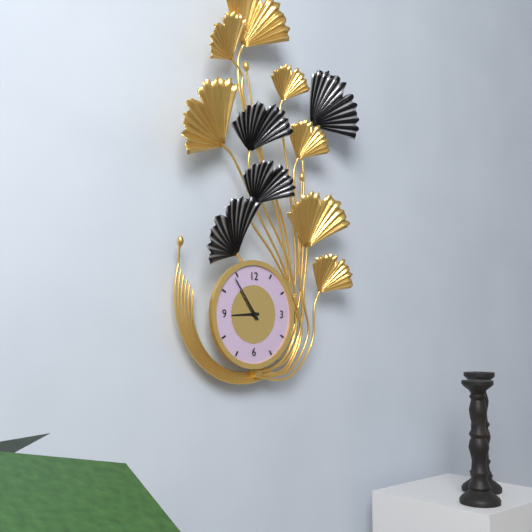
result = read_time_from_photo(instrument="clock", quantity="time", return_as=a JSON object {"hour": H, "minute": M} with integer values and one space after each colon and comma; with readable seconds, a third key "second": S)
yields {"hour": 8, "minute": 54}
